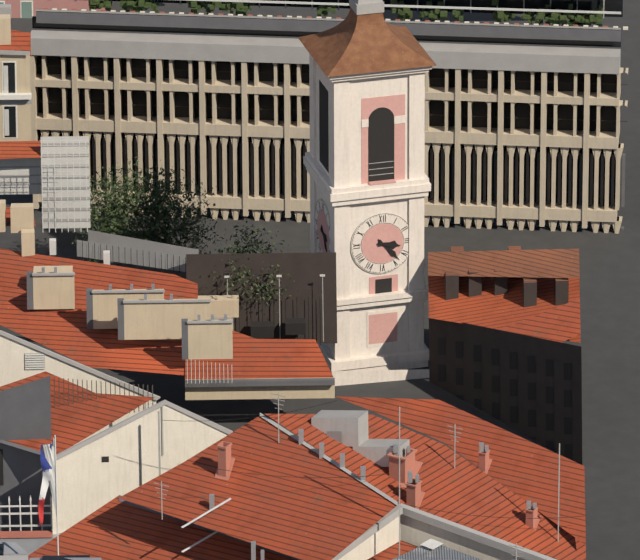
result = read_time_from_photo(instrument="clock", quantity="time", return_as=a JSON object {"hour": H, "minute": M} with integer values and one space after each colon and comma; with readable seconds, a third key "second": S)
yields {"hour": 3, "minute": 23}
